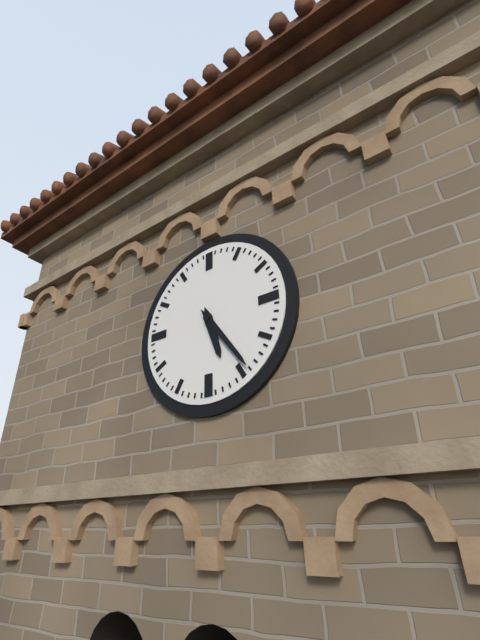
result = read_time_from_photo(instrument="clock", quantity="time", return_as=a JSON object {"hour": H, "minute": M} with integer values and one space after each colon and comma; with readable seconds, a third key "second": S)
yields {"hour": 5, "minute": 24}
